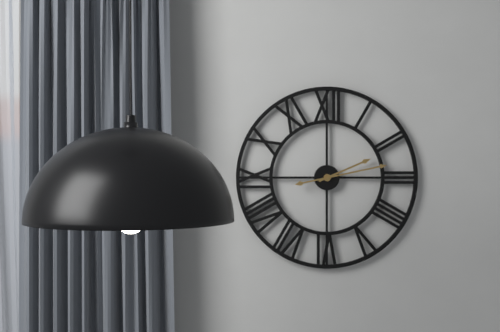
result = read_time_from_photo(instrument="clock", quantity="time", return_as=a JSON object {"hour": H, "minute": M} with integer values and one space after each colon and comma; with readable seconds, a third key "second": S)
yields {"hour": 2, "minute": 13}
